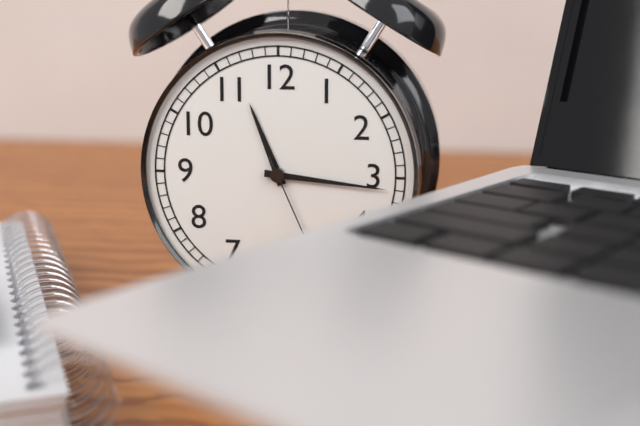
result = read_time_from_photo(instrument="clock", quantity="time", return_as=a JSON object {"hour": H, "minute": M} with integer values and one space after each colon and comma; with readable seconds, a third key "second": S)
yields {"hour": 11, "minute": 16, "second": 26}
